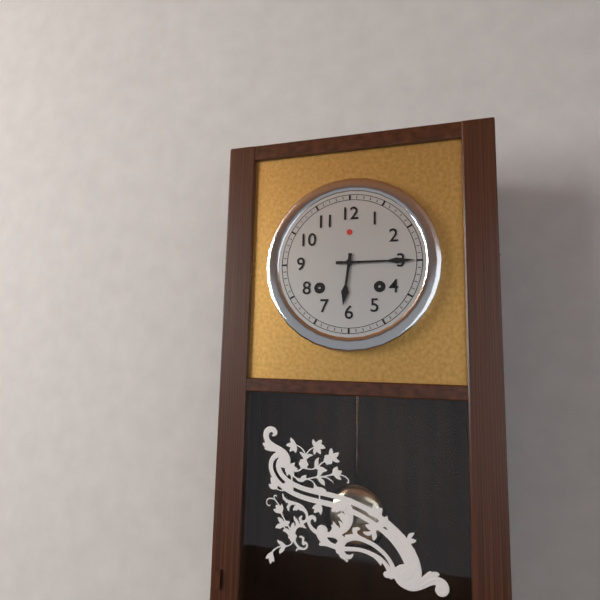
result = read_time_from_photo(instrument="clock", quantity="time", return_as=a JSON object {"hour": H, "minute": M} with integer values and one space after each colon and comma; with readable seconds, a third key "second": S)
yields {"hour": 6, "minute": 15}
